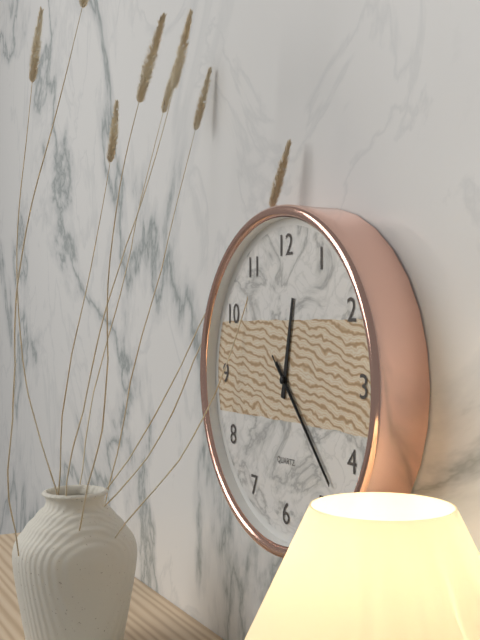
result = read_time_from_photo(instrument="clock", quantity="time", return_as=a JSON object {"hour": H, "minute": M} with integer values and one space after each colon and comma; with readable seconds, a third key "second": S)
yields {"hour": 12, "minute": 23, "second": 23}
